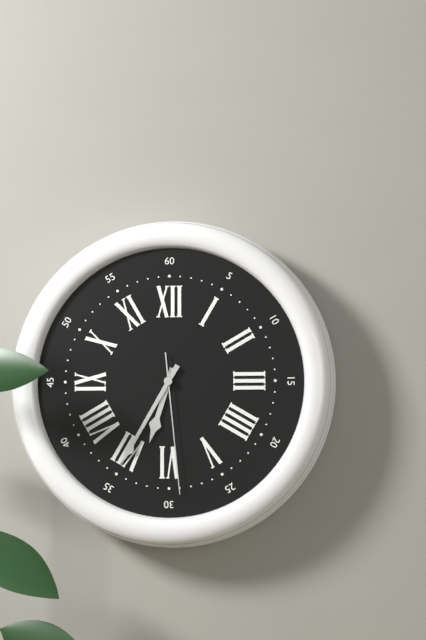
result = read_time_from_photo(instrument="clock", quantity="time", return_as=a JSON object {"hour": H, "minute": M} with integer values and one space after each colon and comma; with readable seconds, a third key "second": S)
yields {"hour": 6, "minute": 35, "second": 29}
